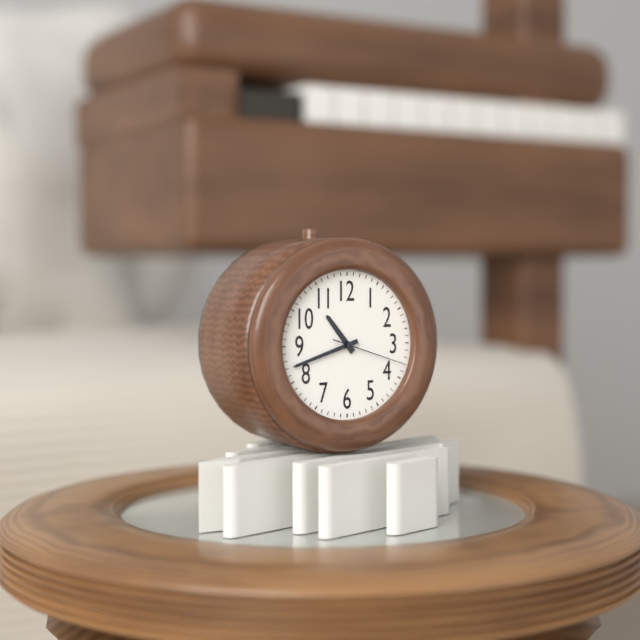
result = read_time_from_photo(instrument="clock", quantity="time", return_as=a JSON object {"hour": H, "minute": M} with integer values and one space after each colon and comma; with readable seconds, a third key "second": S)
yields {"hour": 10, "minute": 42, "second": 18}
